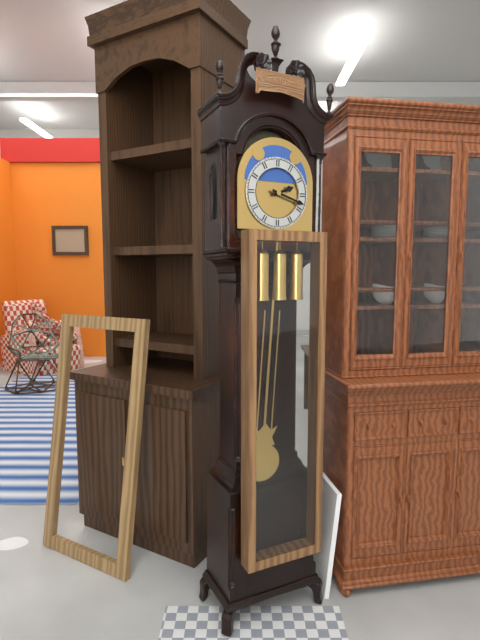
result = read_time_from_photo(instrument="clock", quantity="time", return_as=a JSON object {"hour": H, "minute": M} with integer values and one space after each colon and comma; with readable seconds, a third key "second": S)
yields {"hour": 2, "minute": 18}
